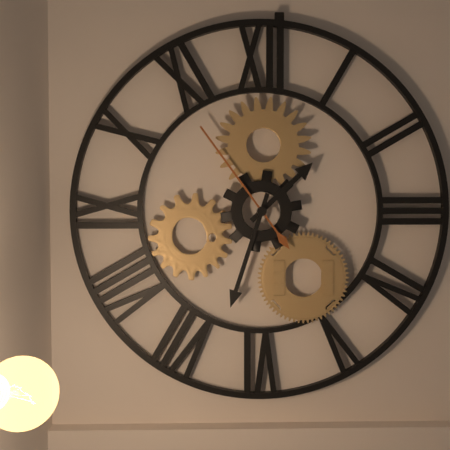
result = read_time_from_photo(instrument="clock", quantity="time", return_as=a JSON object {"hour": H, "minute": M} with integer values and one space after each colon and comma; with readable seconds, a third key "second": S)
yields {"hour": 1, "minute": 33, "second": 54}
